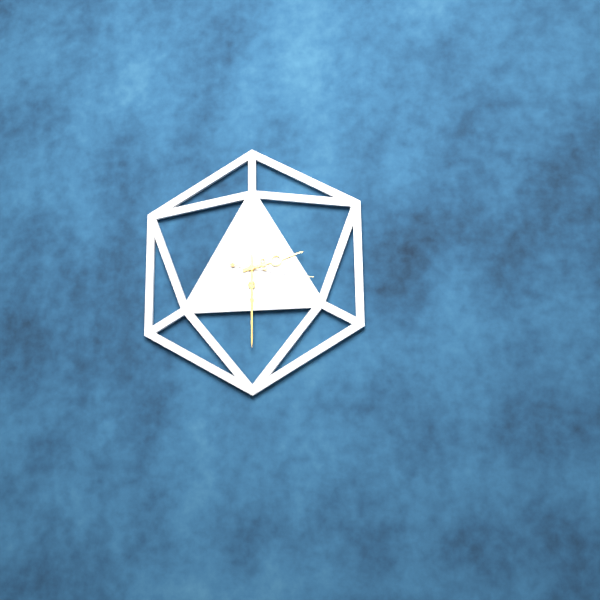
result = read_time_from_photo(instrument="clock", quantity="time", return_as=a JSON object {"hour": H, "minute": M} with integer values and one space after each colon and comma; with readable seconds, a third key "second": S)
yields {"hour": 2, "minute": 30, "second": 17}
